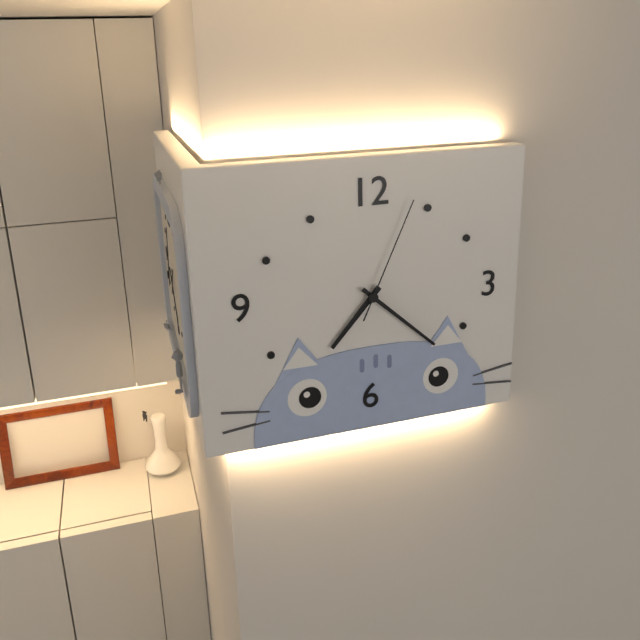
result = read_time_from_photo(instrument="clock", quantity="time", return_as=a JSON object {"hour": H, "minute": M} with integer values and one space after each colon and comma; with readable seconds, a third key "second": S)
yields {"hour": 7, "minute": 22, "second": 4}
